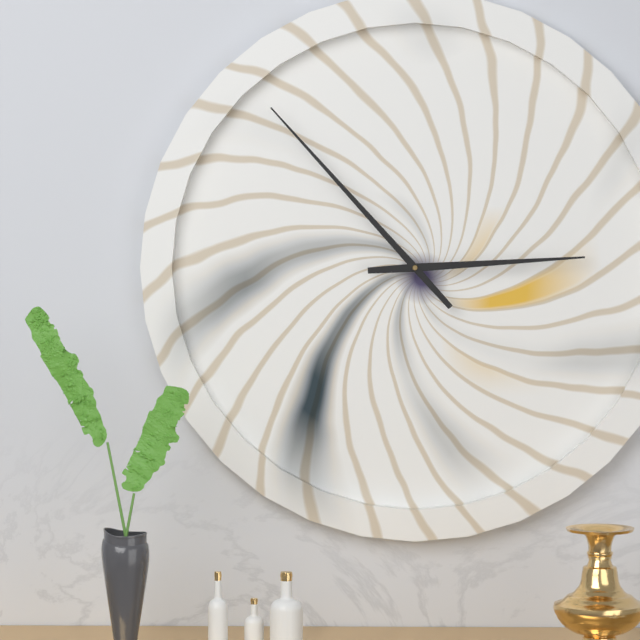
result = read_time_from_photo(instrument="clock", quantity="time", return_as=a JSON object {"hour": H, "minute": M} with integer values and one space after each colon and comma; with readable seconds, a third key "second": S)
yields {"hour": 2, "minute": 53}
